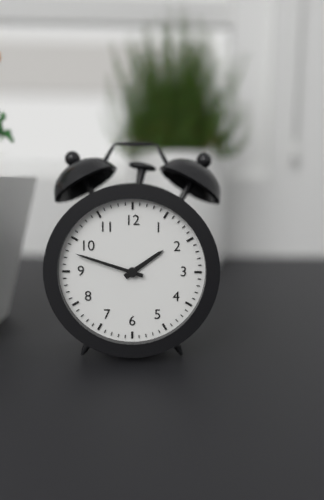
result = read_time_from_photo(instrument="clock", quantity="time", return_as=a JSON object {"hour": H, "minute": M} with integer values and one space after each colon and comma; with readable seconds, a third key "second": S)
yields {"hour": 1, "minute": 48}
